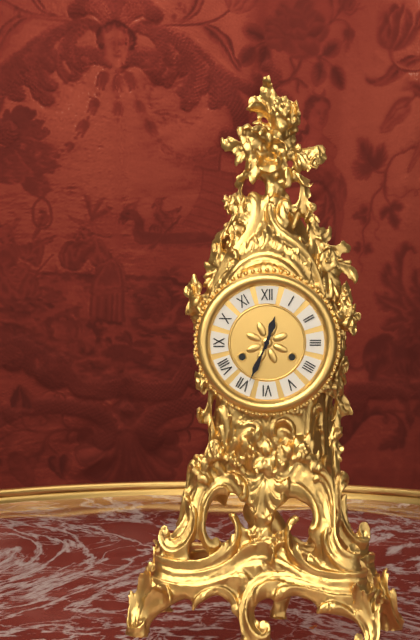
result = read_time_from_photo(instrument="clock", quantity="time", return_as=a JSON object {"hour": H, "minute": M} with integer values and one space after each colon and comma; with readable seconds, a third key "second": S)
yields {"hour": 12, "minute": 34}
